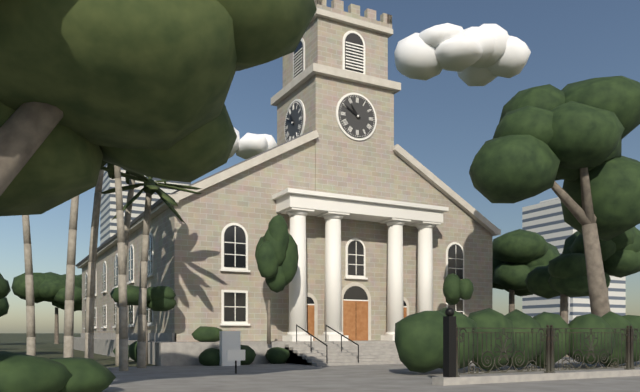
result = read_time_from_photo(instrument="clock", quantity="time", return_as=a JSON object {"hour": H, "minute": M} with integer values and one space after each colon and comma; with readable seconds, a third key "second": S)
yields {"hour": 10, "minute": 50}
